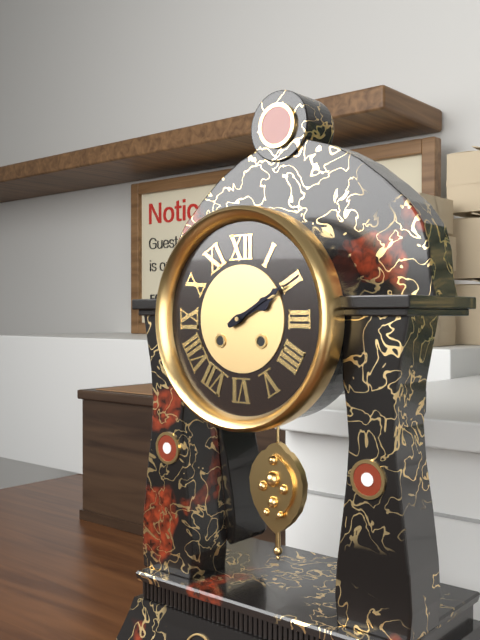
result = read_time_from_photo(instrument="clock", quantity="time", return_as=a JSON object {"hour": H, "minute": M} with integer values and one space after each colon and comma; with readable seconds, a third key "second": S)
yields {"hour": 2, "minute": 10}
